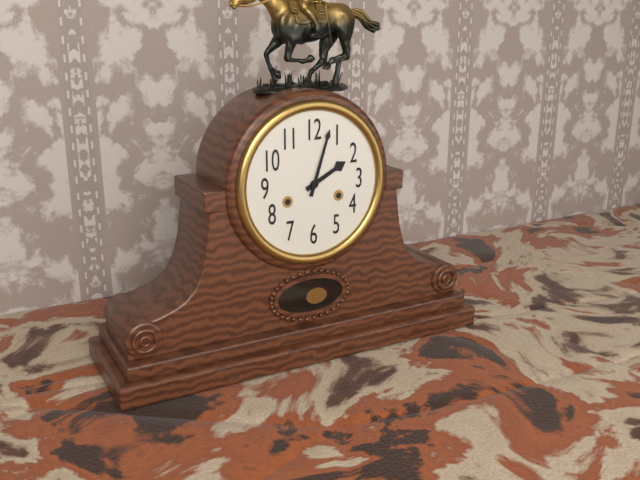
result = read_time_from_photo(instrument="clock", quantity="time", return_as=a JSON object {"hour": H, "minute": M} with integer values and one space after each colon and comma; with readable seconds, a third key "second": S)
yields {"hour": 2, "minute": 3}
